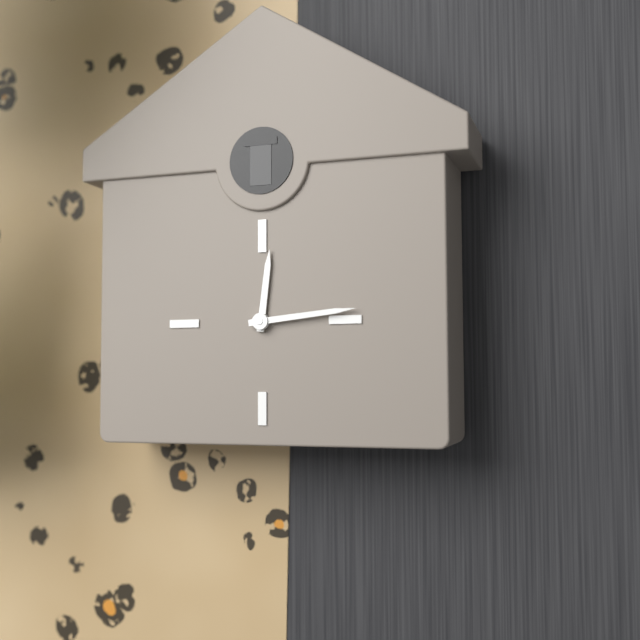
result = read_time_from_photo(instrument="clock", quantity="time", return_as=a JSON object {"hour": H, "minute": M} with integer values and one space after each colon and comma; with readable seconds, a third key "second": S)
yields {"hour": 12, "minute": 14}
